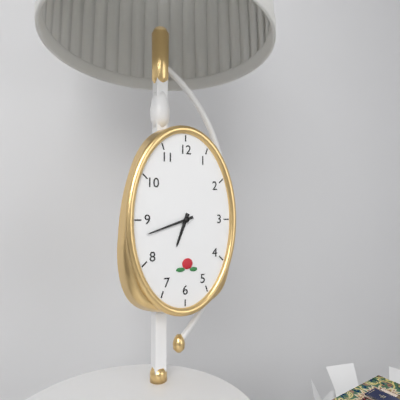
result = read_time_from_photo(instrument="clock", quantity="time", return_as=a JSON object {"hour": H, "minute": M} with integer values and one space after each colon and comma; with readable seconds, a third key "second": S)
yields {"hour": 6, "minute": 42}
